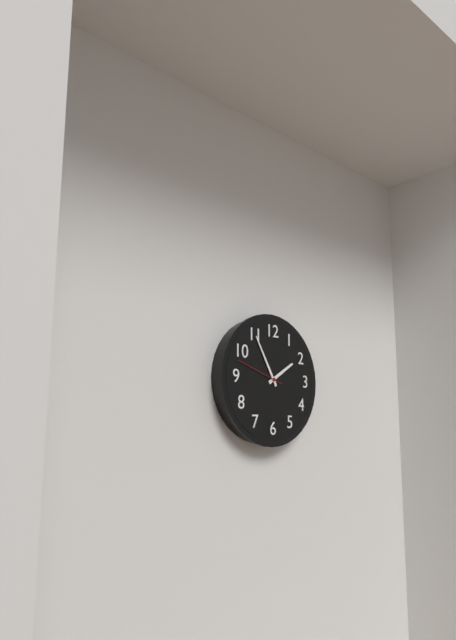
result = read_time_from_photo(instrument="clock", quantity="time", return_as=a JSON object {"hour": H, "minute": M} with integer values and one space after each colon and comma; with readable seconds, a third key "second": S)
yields {"hour": 1, "minute": 55, "second": 48}
